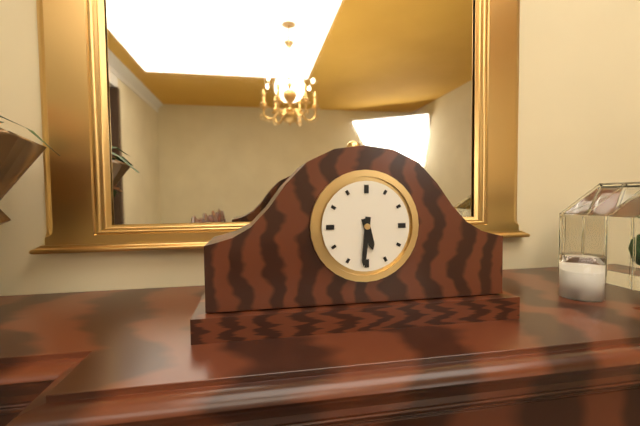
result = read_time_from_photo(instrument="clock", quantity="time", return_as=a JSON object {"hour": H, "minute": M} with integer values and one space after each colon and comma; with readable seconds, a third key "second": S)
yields {"hour": 5, "minute": 31}
